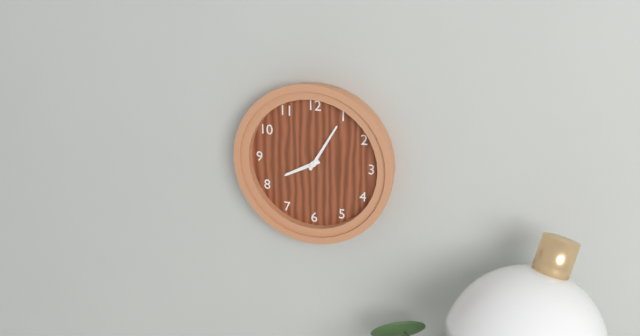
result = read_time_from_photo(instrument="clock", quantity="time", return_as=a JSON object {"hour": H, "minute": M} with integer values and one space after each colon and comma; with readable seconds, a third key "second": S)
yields {"hour": 8, "minute": 5}
